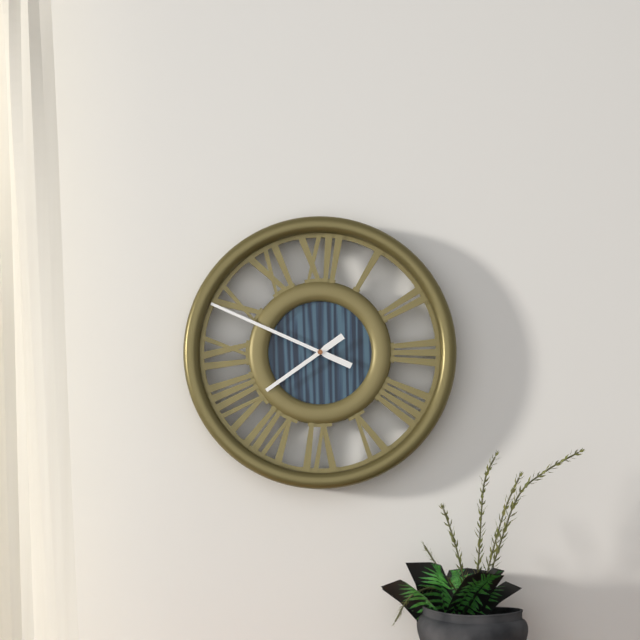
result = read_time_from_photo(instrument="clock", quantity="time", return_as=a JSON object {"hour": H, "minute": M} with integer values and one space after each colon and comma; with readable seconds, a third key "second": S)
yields {"hour": 7, "minute": 49}
